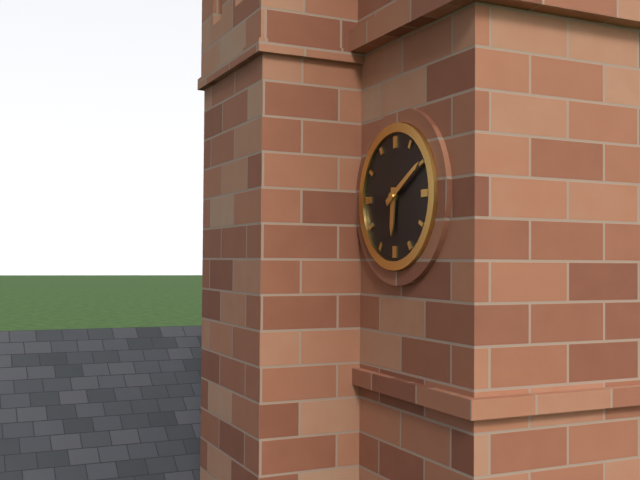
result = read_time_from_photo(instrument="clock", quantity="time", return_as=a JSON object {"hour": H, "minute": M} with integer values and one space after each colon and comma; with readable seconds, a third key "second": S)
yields {"hour": 6, "minute": 10}
